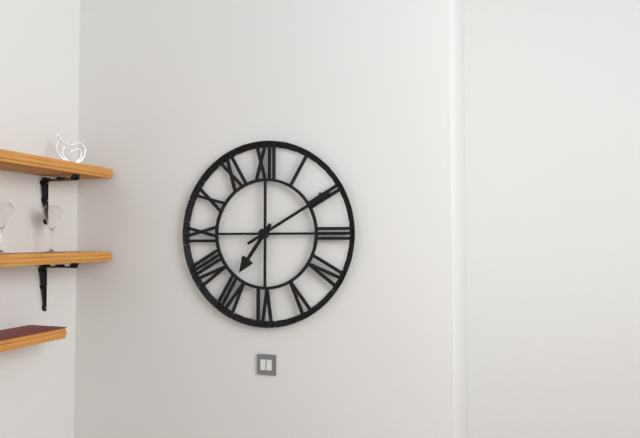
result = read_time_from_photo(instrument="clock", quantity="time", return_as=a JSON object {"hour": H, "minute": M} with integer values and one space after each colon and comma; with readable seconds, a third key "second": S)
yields {"hour": 7, "minute": 10}
